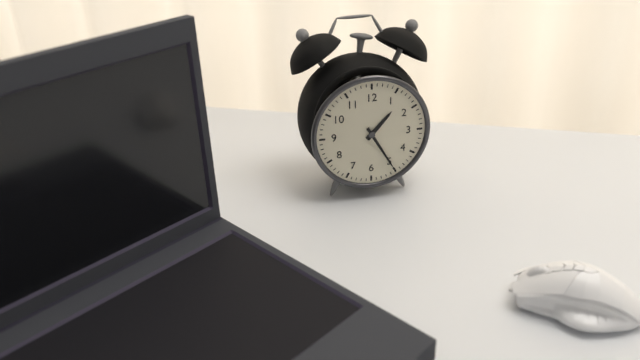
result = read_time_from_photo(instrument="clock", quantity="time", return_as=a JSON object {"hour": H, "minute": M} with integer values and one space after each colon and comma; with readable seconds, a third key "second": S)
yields {"hour": 1, "minute": 25}
